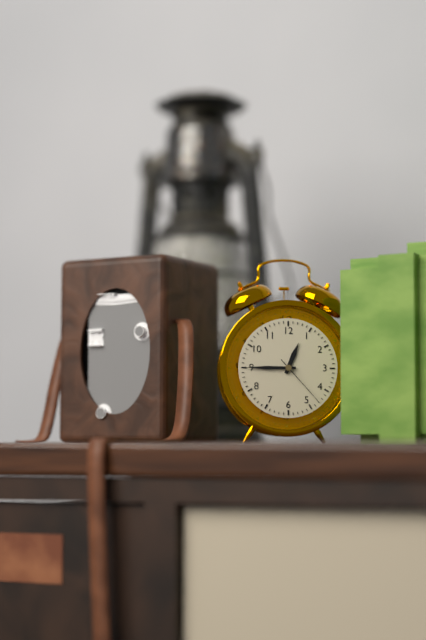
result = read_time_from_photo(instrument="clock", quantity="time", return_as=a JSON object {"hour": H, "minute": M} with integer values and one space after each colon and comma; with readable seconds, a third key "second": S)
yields {"hour": 12, "minute": 45, "second": 23}
